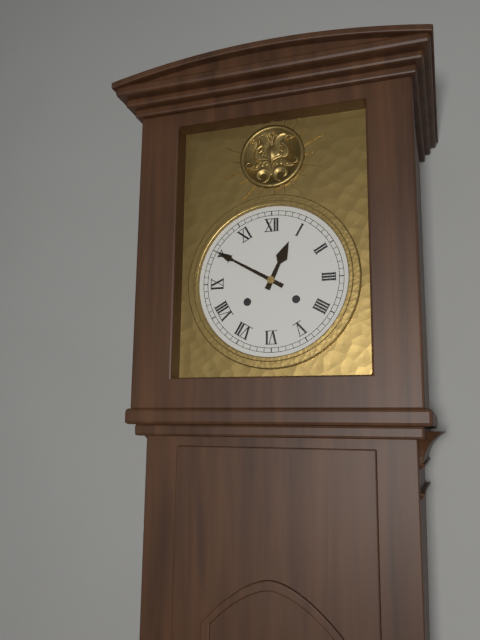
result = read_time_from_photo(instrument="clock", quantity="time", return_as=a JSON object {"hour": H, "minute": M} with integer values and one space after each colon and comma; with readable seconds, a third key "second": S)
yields {"hour": 12, "minute": 50}
